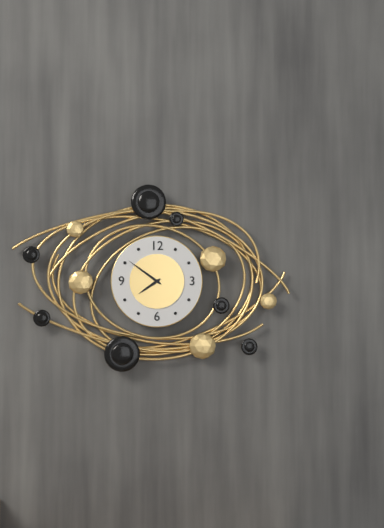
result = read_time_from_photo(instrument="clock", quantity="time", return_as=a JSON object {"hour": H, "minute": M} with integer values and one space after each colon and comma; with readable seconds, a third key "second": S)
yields {"hour": 7, "minute": 51}
